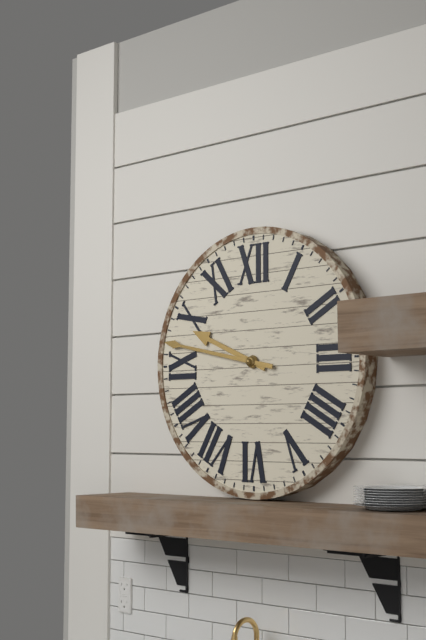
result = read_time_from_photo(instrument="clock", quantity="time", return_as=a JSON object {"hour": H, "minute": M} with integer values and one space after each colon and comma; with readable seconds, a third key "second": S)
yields {"hour": 9, "minute": 47}
